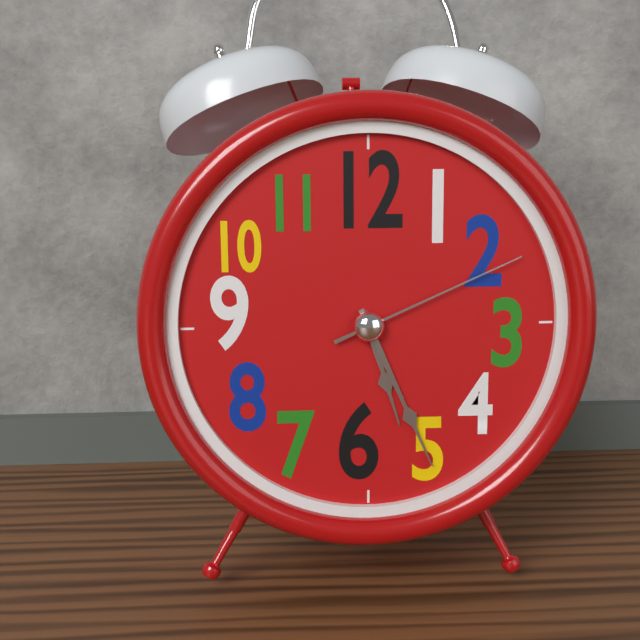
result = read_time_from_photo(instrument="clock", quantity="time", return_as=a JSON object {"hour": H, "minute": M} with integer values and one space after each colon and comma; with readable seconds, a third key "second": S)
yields {"hour": 5, "minute": 26, "second": 11}
